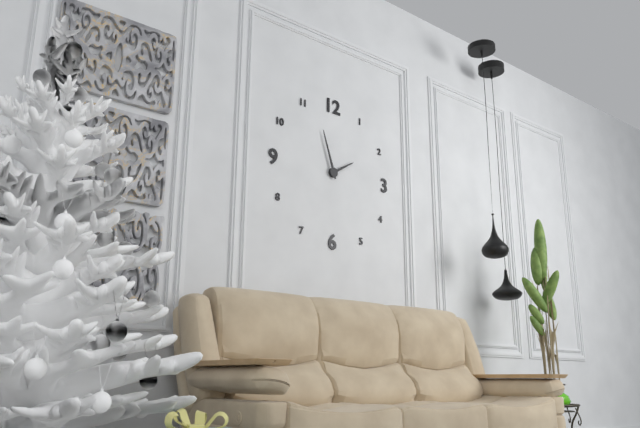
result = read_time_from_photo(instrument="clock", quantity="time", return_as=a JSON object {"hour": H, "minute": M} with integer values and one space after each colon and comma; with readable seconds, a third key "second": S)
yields {"hour": 1, "minute": 57}
